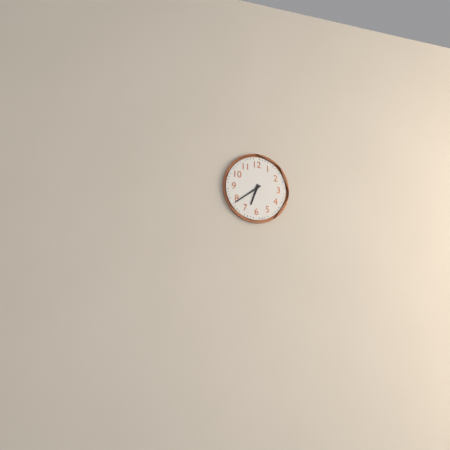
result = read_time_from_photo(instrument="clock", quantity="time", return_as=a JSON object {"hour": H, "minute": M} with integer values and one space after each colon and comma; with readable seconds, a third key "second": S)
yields {"hour": 6, "minute": 39}
